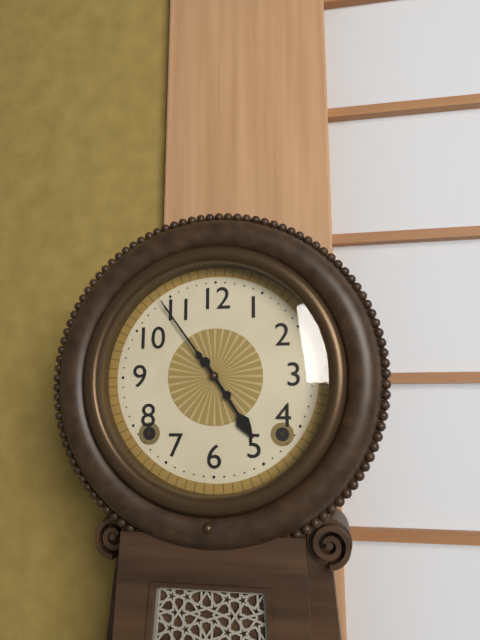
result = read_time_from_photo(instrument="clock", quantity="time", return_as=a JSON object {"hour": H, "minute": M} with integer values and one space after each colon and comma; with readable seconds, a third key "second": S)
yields {"hour": 4, "minute": 54}
